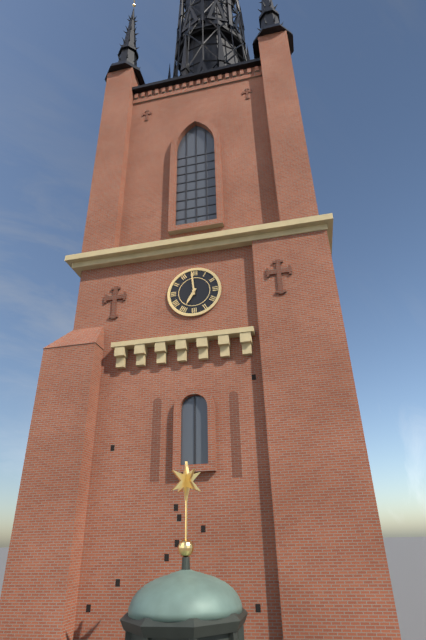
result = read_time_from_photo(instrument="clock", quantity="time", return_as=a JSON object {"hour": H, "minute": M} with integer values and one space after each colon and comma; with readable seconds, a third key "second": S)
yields {"hour": 6, "minute": 59}
